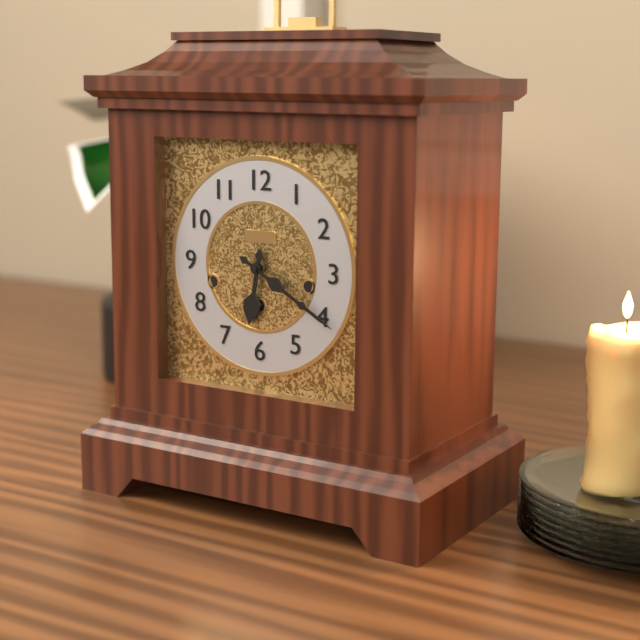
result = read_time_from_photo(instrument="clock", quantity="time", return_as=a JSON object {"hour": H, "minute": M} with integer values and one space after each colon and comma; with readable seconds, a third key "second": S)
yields {"hour": 6, "minute": 20}
